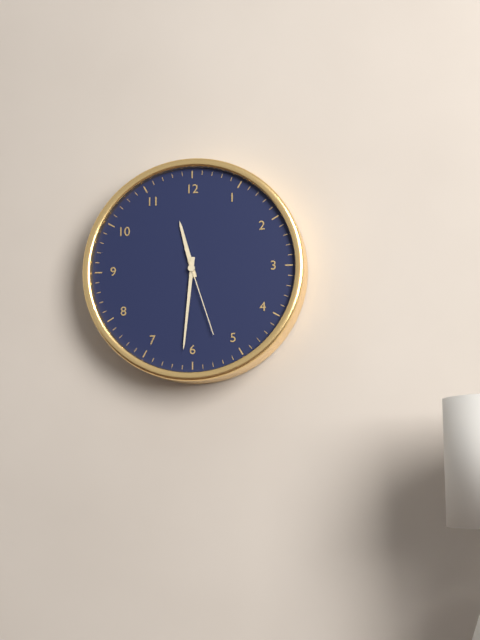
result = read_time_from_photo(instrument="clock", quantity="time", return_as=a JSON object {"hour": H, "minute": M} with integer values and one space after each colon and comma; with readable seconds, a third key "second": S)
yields {"hour": 11, "minute": 31, "second": 27}
